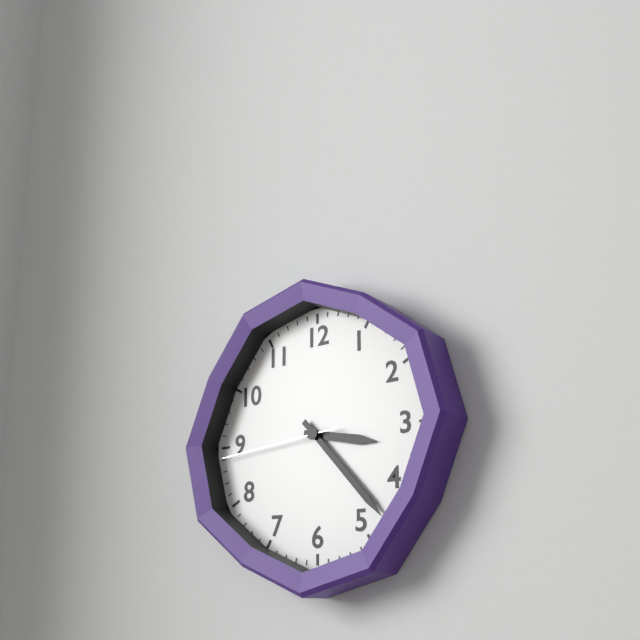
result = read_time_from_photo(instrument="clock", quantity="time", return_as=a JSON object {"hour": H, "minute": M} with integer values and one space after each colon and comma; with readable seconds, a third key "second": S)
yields {"hour": 3, "minute": 23, "second": 44}
